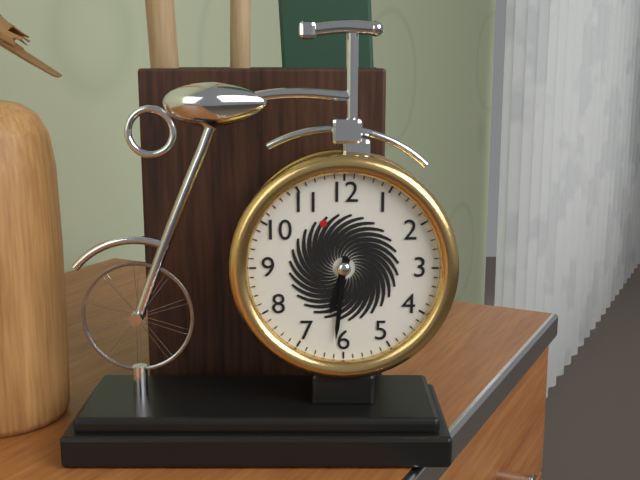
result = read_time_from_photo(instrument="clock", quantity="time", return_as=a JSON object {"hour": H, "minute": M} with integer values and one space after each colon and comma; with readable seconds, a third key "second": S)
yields {"hour": 6, "minute": 31}
